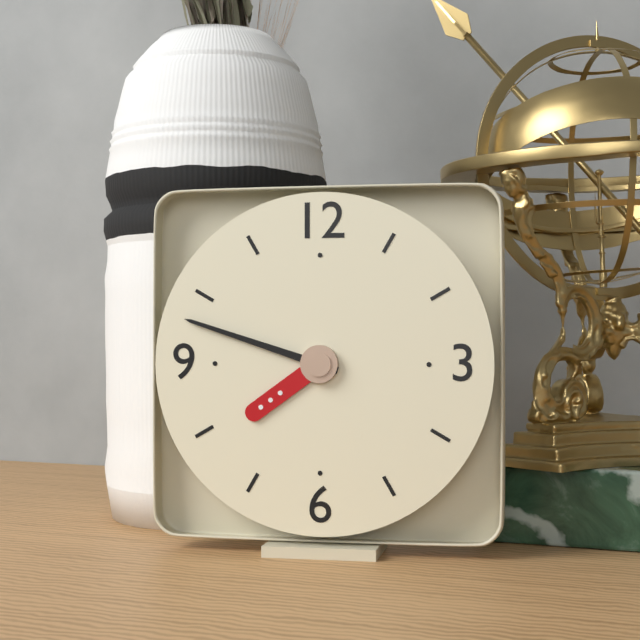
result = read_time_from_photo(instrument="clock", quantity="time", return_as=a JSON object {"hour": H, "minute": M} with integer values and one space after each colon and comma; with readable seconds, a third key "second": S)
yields {"hour": 7, "minute": 48}
